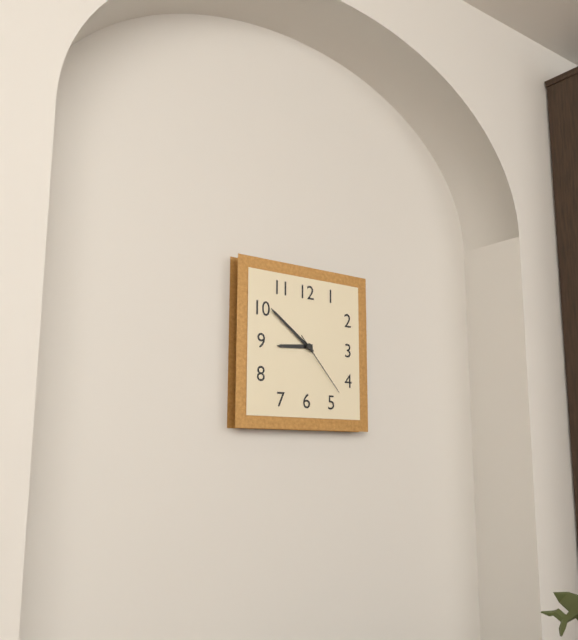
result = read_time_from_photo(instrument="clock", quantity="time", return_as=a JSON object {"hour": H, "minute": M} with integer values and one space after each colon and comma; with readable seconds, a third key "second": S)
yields {"hour": 8, "minute": 51, "second": 23}
